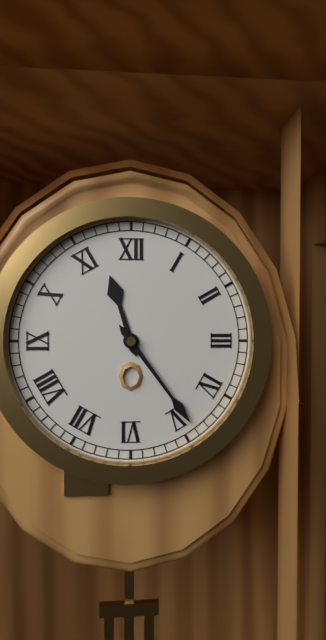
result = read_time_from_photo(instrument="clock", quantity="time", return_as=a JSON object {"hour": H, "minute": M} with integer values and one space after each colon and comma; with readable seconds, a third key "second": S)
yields {"hour": 11, "minute": 24}
